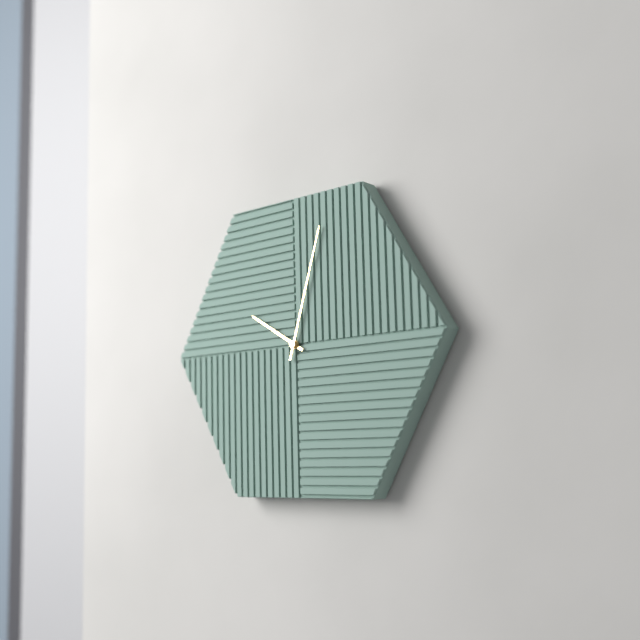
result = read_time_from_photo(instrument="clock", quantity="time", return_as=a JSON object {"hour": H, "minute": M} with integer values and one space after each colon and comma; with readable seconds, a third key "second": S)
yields {"hour": 10, "minute": 3}
